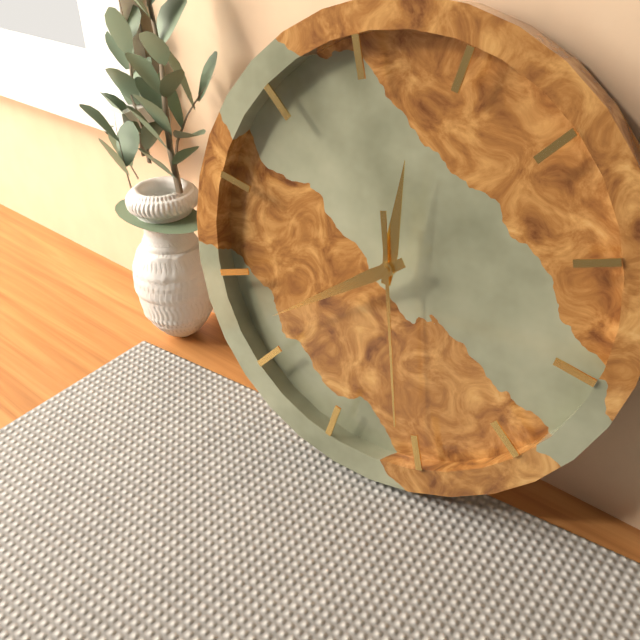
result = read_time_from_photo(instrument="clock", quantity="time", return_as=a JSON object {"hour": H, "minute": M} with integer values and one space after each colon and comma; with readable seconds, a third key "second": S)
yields {"hour": 11, "minute": 37, "second": 26}
